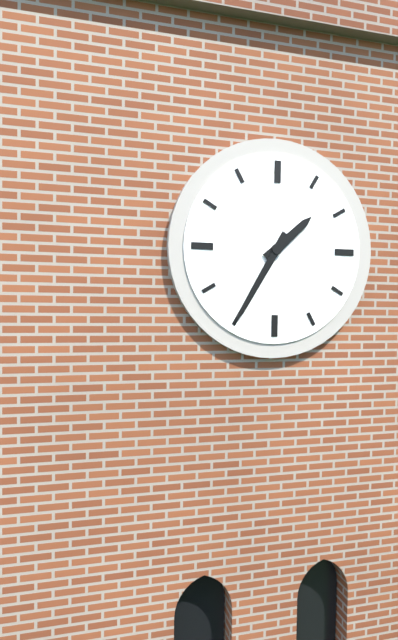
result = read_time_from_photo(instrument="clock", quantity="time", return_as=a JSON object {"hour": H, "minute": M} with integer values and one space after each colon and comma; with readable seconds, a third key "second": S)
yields {"hour": 1, "minute": 35}
